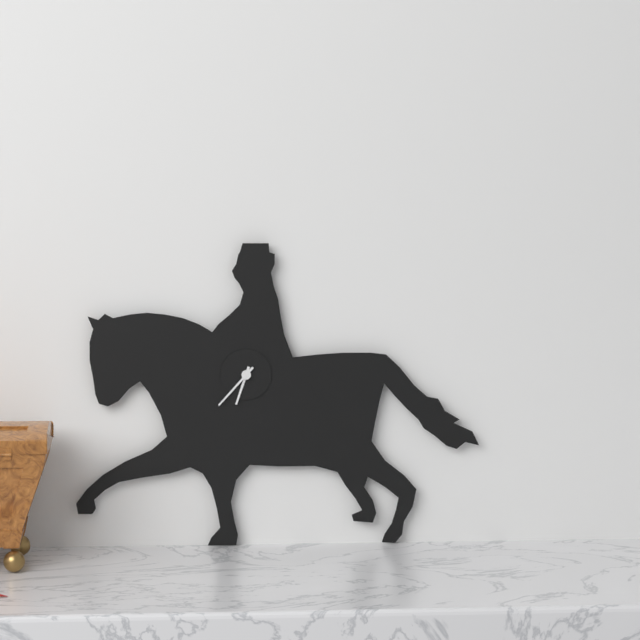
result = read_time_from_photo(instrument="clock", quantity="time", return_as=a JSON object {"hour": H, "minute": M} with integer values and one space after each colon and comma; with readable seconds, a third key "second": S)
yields {"hour": 6, "minute": 37}
